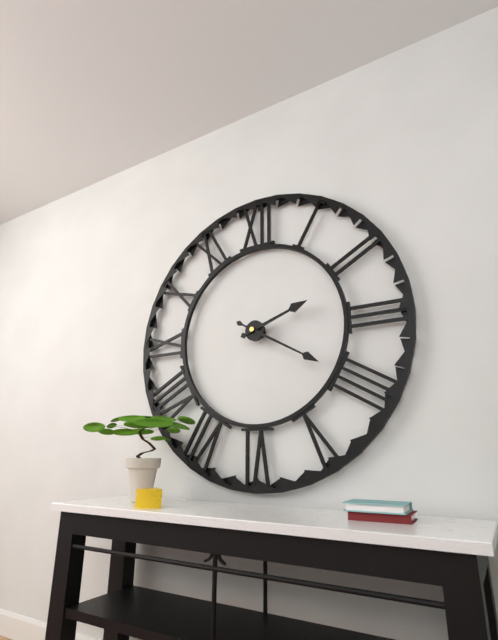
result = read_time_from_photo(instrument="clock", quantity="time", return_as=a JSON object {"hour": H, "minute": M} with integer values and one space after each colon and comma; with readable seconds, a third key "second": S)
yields {"hour": 2, "minute": 20}
